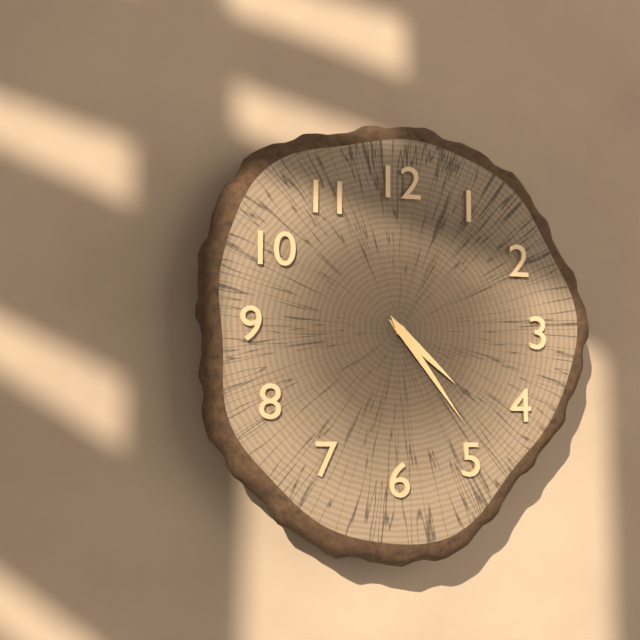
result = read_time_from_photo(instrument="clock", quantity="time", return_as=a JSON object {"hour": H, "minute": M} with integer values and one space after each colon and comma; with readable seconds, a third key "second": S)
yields {"hour": 4, "minute": 24}
